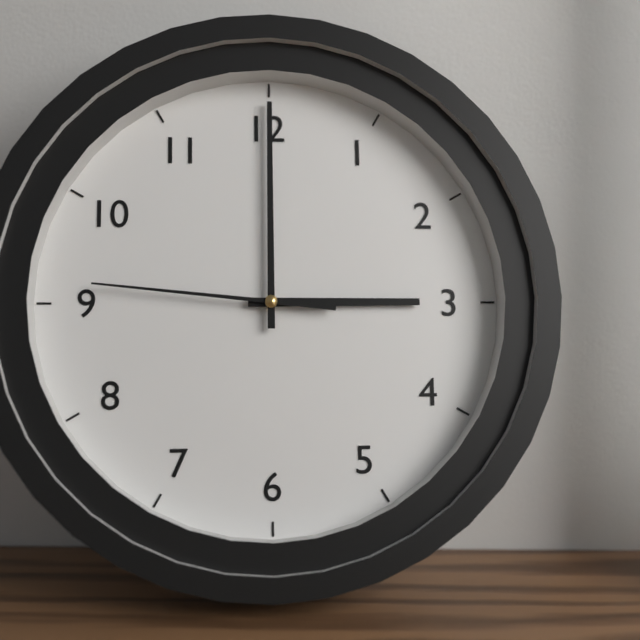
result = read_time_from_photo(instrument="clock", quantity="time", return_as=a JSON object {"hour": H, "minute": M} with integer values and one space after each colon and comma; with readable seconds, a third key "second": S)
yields {"hour": 3, "minute": 0, "second": 46}
